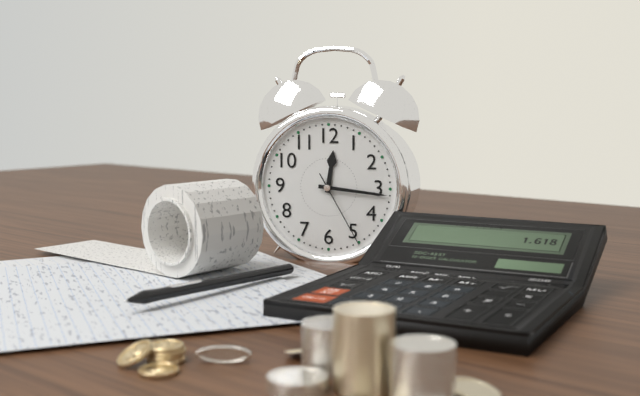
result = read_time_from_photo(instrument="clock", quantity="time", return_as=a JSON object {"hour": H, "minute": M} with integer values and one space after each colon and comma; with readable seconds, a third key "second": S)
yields {"hour": 12, "minute": 16, "second": 25}
